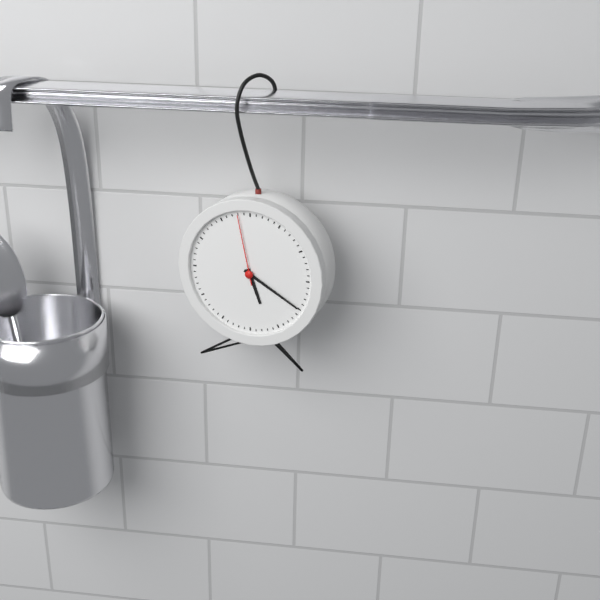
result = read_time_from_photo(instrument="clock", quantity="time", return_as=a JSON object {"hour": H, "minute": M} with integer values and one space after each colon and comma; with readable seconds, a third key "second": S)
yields {"hour": 5, "minute": 20, "second": 58}
